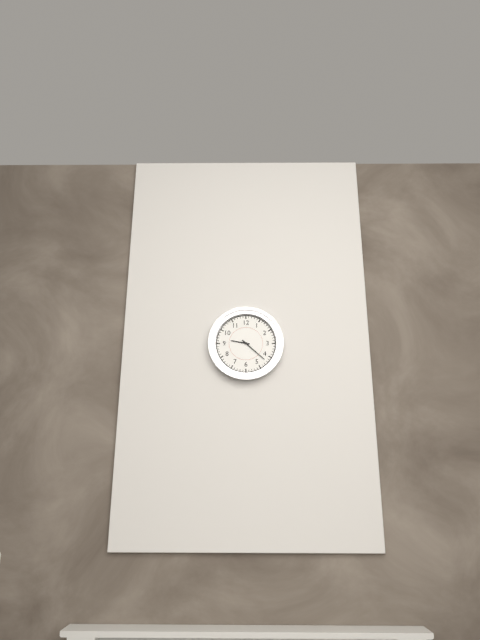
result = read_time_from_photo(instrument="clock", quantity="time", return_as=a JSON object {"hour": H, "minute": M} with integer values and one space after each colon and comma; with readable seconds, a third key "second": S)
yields {"hour": 9, "minute": 22}
